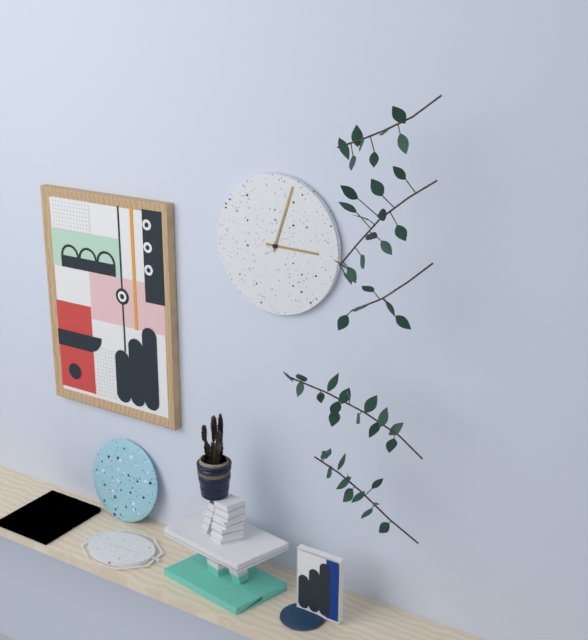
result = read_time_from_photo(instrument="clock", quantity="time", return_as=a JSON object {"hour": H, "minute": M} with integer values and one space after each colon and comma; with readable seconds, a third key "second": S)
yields {"hour": 3, "minute": 3}
